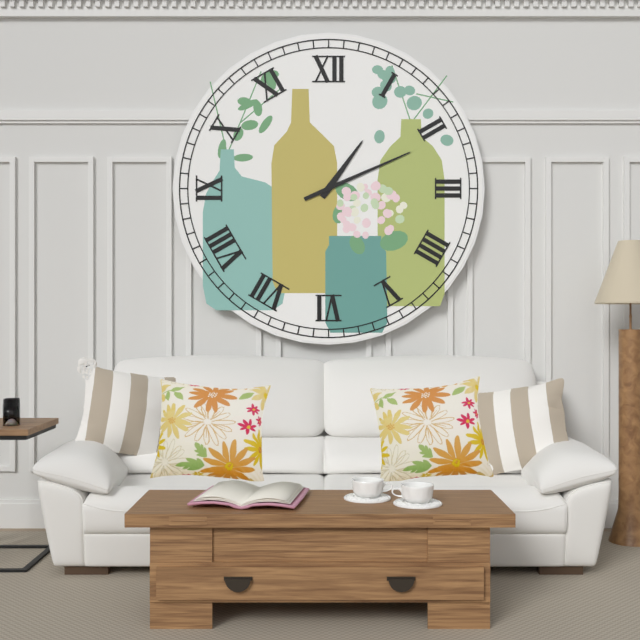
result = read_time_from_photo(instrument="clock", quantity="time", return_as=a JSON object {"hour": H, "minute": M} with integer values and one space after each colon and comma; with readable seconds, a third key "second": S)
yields {"hour": 1, "minute": 11}
